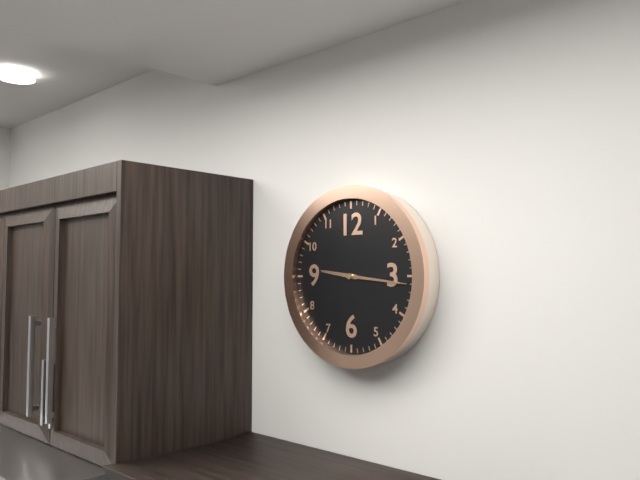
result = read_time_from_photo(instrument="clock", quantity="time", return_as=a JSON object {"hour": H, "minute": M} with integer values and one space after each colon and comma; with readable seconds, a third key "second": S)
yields {"hour": 9, "minute": 16, "second": 16}
